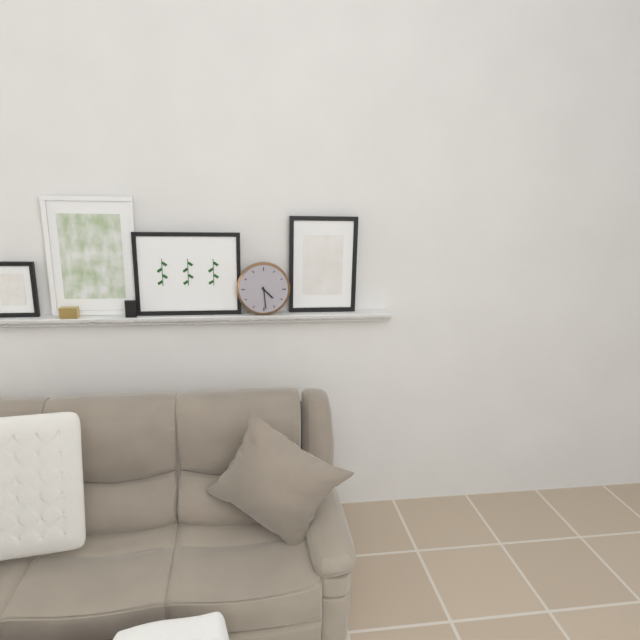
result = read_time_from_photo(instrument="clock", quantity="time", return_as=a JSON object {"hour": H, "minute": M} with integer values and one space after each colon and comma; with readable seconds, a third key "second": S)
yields {"hour": 4, "minute": 29}
